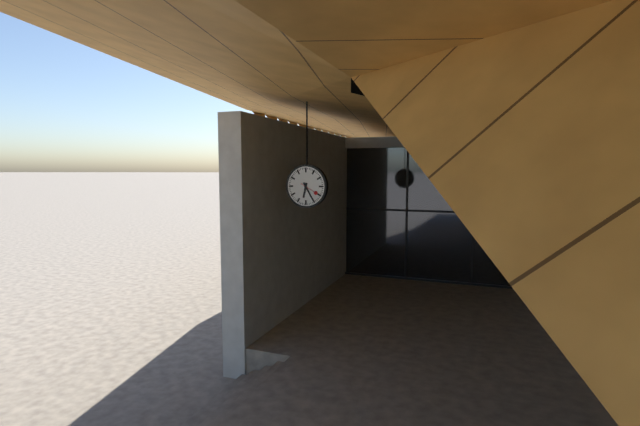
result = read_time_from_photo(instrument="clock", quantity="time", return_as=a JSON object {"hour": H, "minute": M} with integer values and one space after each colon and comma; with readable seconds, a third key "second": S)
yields {"hour": 6, "minute": 25}
